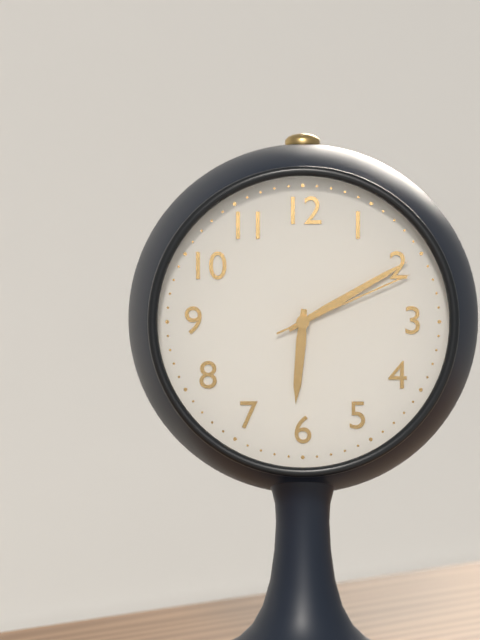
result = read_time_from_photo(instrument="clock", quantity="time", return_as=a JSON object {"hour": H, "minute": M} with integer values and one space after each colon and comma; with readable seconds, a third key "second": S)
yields {"hour": 6, "minute": 10, "second": 11}
